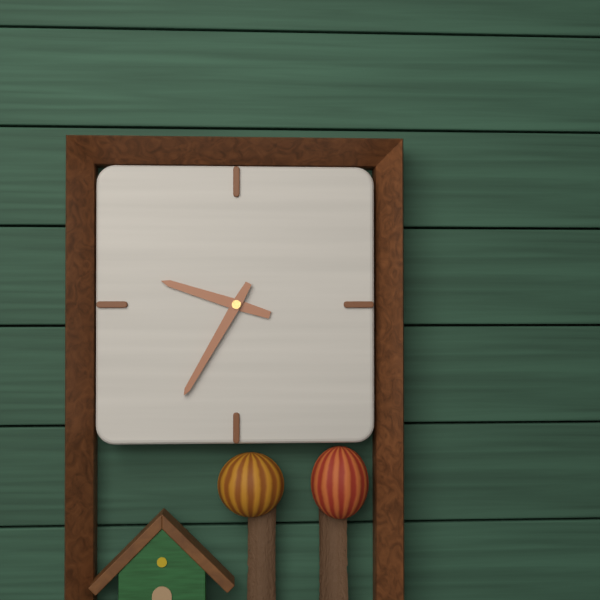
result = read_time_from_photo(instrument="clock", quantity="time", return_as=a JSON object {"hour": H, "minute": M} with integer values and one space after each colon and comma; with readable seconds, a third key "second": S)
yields {"hour": 9, "minute": 35}
